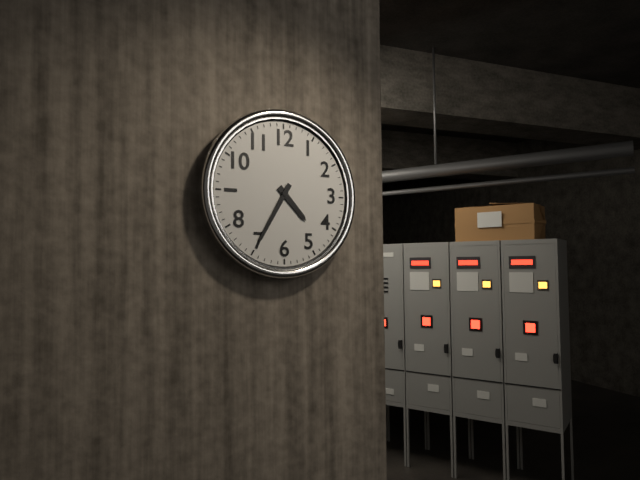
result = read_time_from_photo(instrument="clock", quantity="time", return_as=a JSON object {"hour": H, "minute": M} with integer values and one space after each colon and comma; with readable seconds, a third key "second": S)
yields {"hour": 4, "minute": 35}
